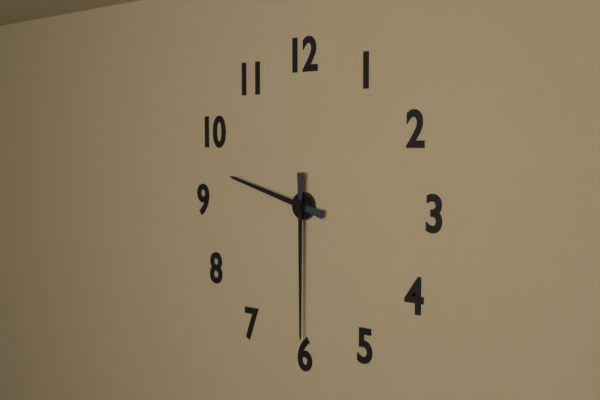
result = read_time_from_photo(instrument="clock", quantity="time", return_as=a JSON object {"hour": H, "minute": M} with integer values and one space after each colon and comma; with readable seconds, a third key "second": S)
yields {"hour": 9, "minute": 30}
